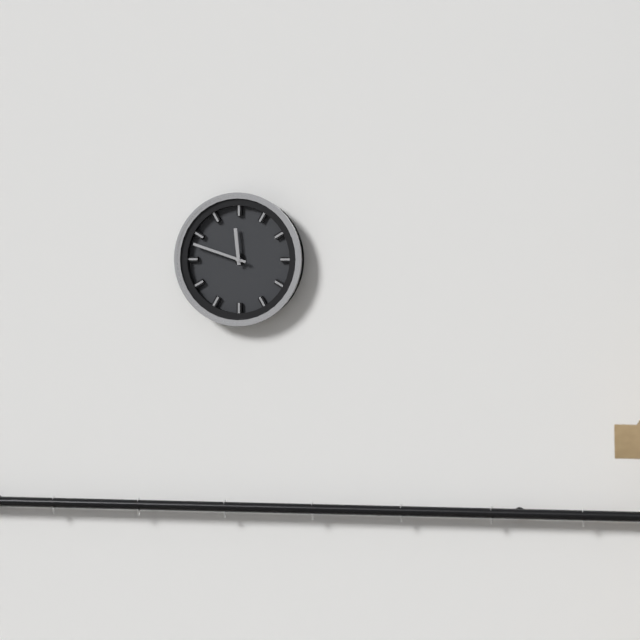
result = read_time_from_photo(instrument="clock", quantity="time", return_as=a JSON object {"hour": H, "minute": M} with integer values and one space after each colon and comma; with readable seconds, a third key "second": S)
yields {"hour": 11, "minute": 48}
